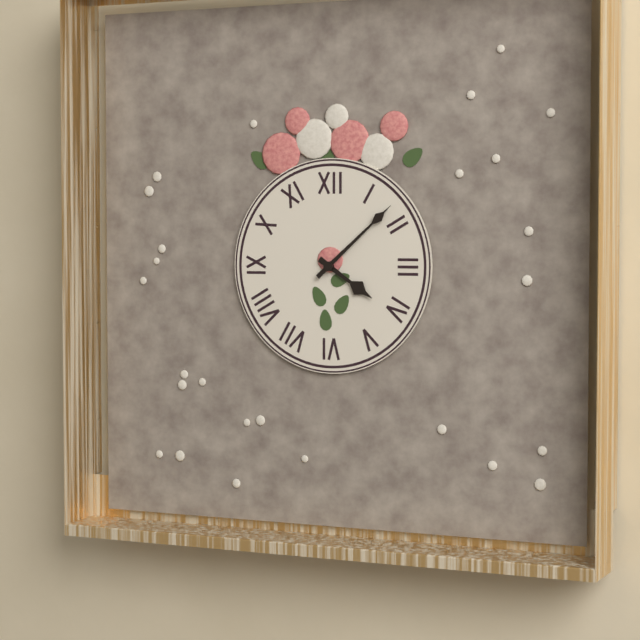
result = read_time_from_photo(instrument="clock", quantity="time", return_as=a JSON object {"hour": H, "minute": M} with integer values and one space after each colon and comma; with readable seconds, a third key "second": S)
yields {"hour": 4, "minute": 8}
